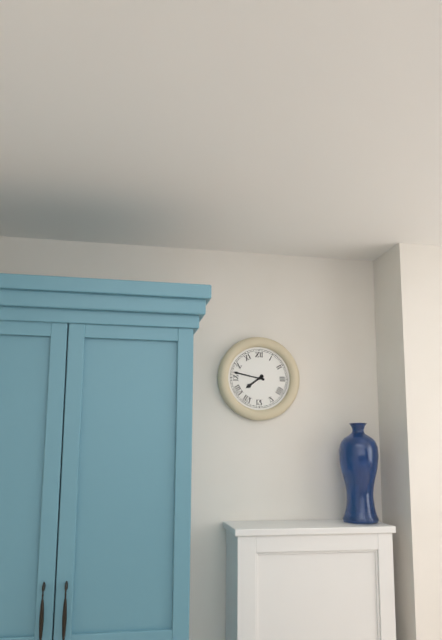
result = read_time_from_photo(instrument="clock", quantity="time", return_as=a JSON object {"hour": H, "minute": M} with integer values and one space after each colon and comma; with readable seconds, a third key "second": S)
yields {"hour": 7, "minute": 47}
